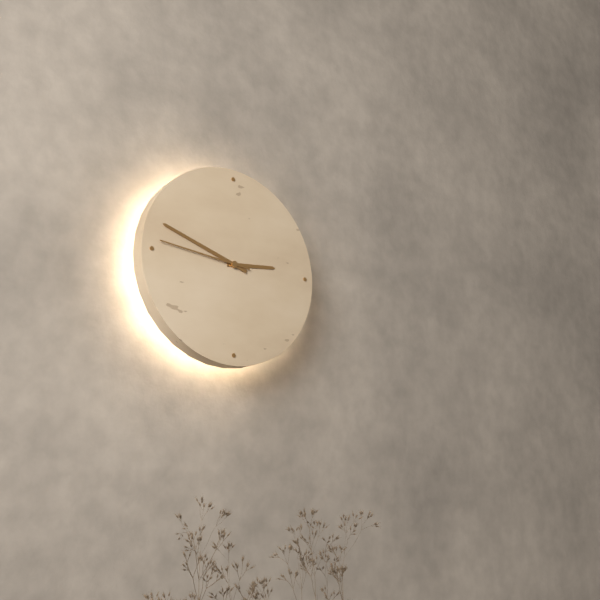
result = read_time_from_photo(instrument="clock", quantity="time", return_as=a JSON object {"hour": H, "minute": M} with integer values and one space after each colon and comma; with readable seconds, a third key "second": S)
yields {"hour": 2, "minute": 48, "second": 46}
